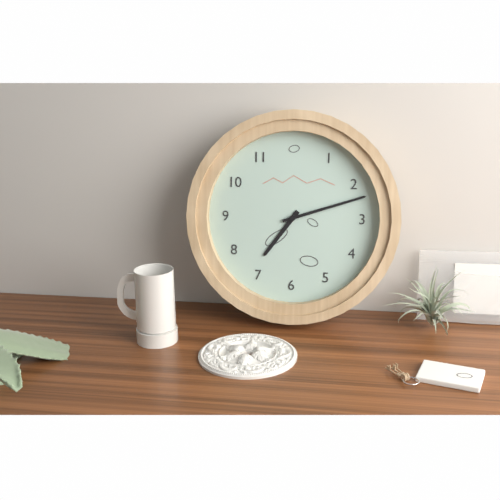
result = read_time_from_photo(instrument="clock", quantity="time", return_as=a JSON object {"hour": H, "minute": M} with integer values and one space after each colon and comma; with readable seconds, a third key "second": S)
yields {"hour": 7, "minute": 12}
